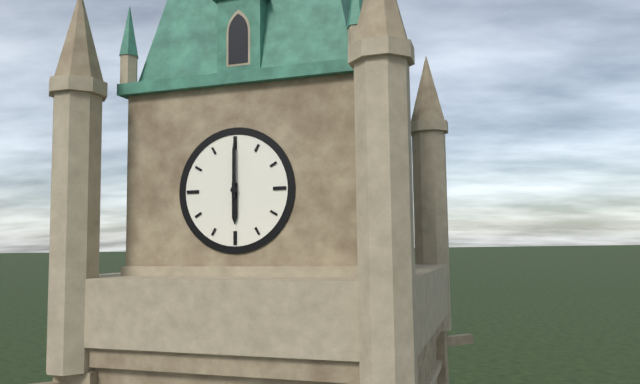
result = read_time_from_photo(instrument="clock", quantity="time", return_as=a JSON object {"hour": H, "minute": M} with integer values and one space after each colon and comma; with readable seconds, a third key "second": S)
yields {"hour": 6, "minute": 0}
